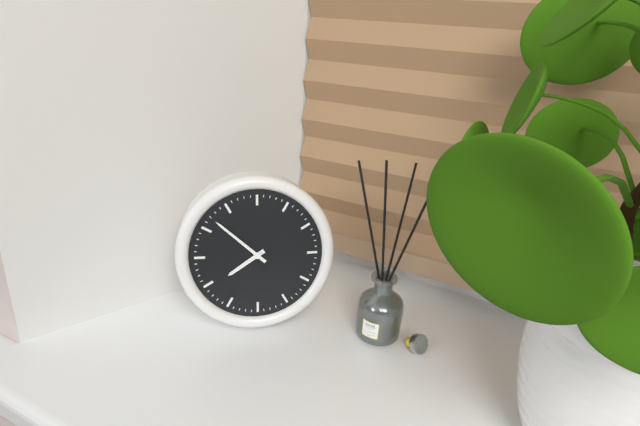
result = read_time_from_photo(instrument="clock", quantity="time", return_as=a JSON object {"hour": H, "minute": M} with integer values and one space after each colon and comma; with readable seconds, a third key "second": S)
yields {"hour": 7, "minute": 52}
